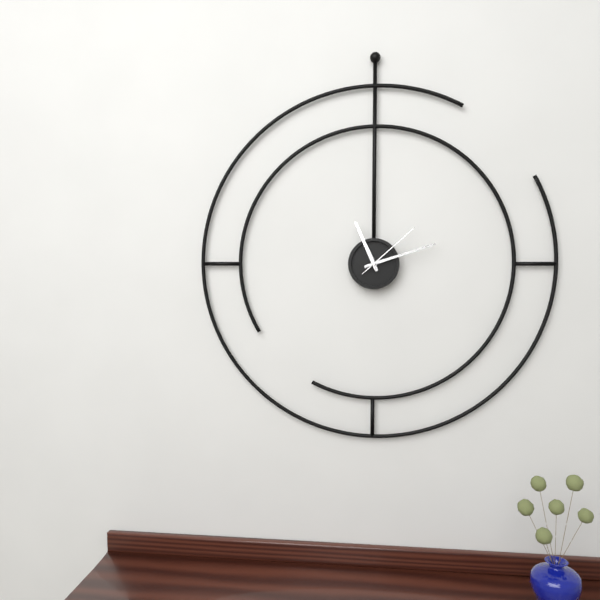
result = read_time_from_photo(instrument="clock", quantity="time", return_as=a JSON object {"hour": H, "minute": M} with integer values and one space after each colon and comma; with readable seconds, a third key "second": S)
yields {"hour": 11, "minute": 12, "second": 8}
